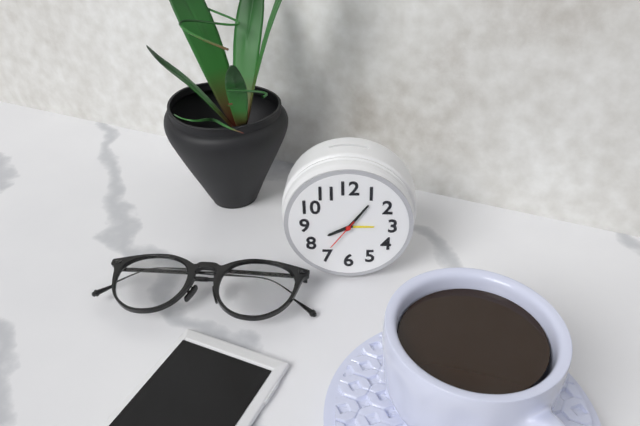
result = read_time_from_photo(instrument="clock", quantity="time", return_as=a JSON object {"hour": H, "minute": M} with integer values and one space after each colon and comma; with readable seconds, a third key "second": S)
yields {"hour": 8, "minute": 6}
